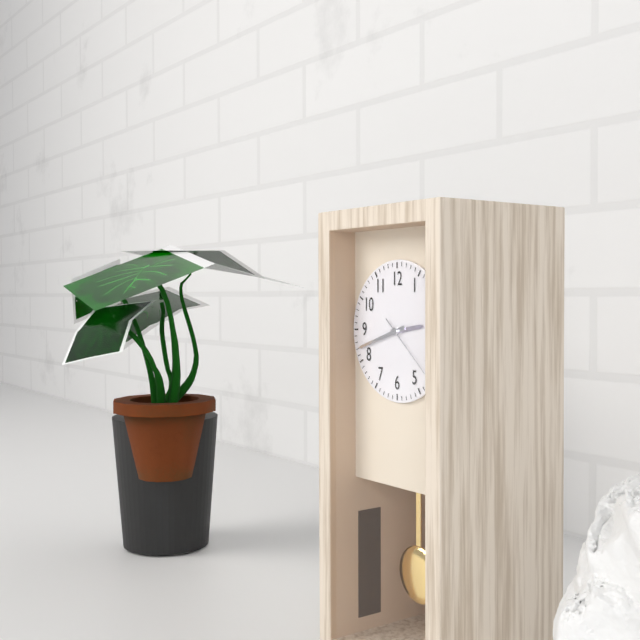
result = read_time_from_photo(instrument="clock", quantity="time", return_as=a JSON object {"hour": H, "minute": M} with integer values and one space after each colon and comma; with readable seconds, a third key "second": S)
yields {"hour": 2, "minute": 42, "second": 22}
